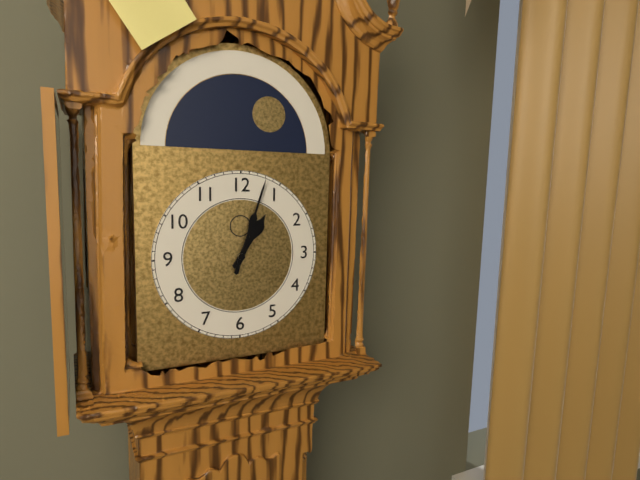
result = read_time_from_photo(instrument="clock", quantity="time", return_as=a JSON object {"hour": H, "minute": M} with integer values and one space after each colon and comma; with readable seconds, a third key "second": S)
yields {"hour": 1, "minute": 3}
